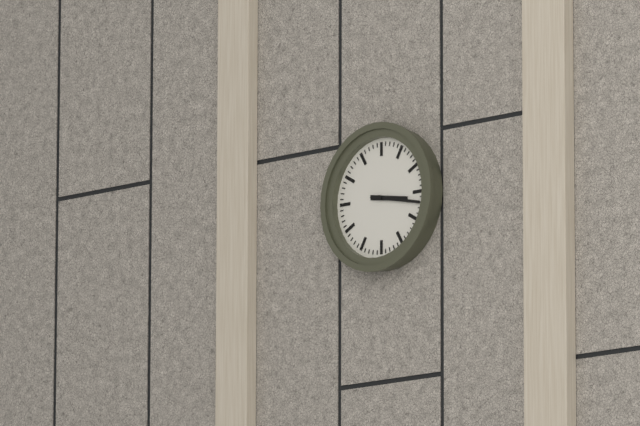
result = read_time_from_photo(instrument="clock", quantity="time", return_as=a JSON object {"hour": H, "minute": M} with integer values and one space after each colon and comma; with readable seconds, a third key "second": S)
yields {"hour": 3, "minute": 17}
